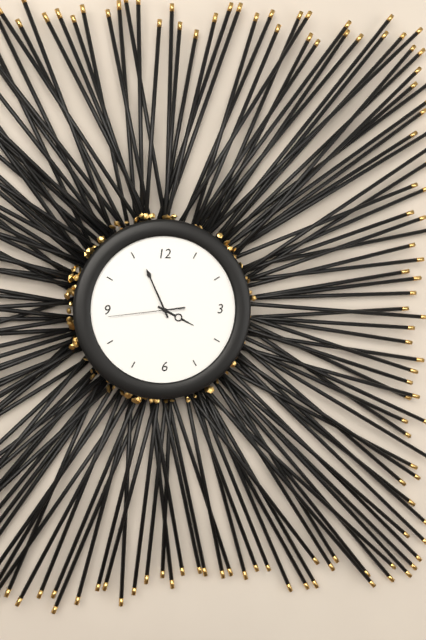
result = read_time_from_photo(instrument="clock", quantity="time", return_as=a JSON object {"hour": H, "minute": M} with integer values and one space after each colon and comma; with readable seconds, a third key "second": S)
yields {"hour": 3, "minute": 56, "second": 44}
